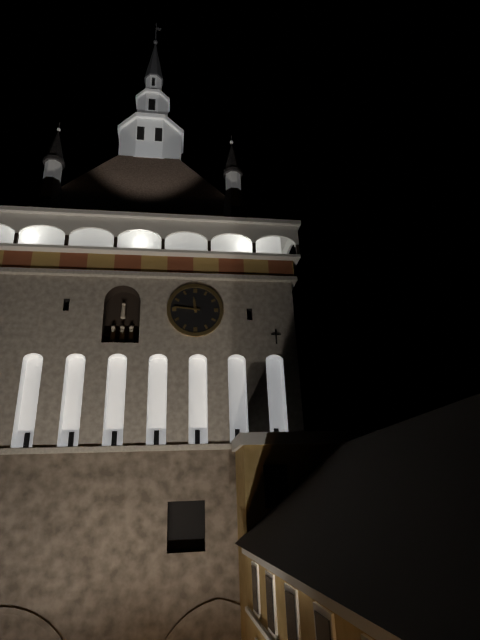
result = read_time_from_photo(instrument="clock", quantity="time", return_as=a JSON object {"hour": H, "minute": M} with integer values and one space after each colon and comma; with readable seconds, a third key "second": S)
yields {"hour": 11, "minute": 46}
